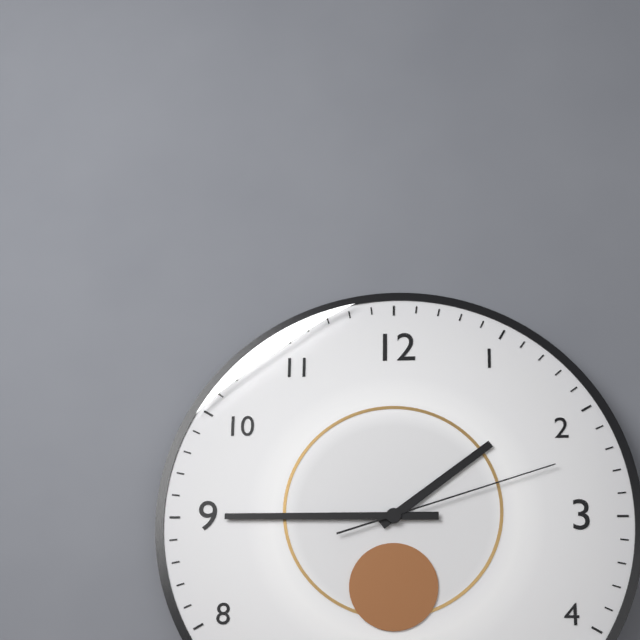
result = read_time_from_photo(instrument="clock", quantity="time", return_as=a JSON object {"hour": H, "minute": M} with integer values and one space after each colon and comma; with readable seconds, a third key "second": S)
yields {"hour": 1, "minute": 45, "second": 12}
